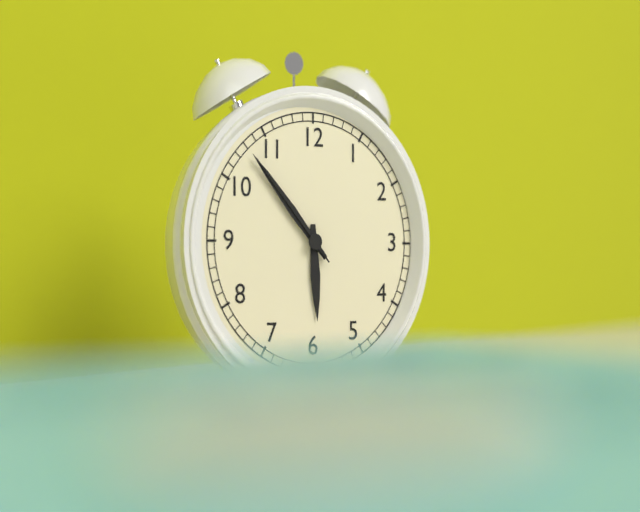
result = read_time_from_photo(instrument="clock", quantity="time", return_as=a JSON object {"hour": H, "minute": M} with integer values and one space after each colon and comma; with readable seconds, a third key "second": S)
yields {"hour": 5, "minute": 53, "second": 53}
